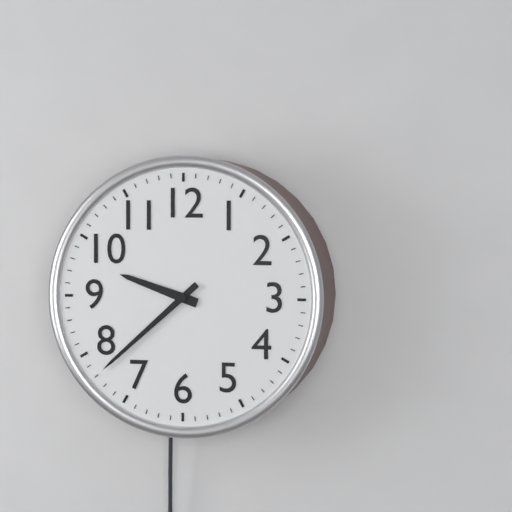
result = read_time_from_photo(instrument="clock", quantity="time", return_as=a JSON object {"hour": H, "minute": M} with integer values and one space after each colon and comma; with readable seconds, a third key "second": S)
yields {"hour": 9, "minute": 38}
